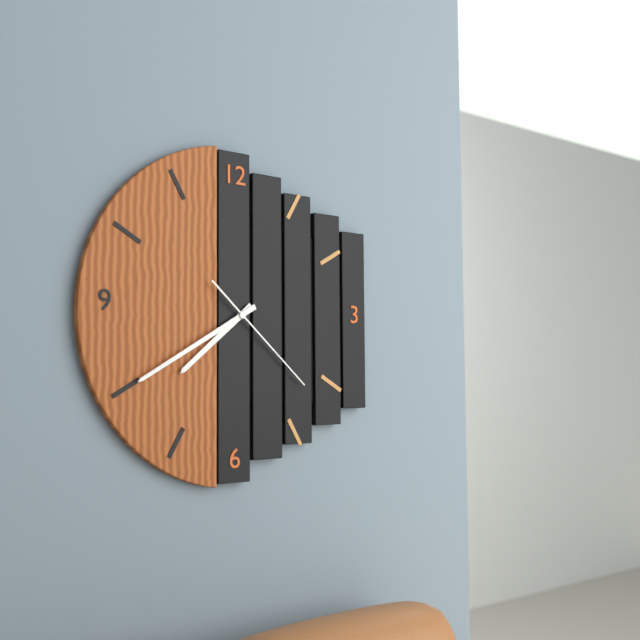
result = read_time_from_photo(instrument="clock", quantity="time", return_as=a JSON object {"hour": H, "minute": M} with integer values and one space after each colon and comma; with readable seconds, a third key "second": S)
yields {"hour": 7, "minute": 40, "second": 22}
